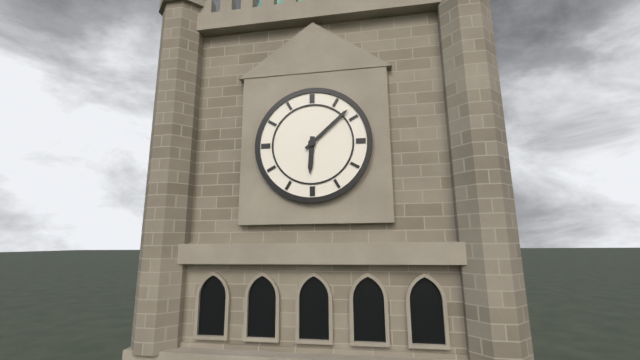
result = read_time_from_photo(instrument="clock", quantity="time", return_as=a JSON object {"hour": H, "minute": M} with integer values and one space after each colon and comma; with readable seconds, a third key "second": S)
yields {"hour": 6, "minute": 8}
